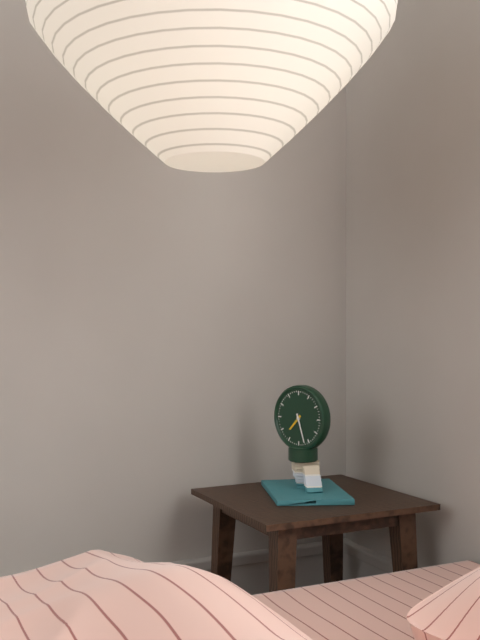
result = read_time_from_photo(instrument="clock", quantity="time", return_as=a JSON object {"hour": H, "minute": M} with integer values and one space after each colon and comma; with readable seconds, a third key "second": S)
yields {"hour": 7, "minute": 27}
